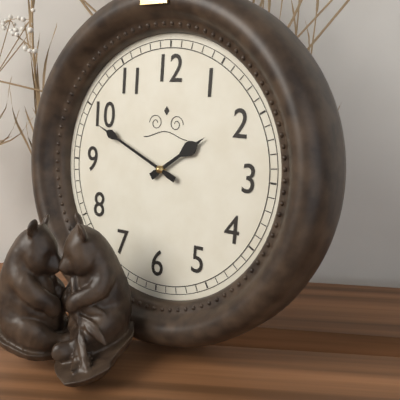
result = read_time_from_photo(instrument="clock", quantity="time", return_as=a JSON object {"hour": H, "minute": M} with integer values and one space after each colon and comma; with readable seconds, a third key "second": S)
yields {"hour": 1, "minute": 49}
